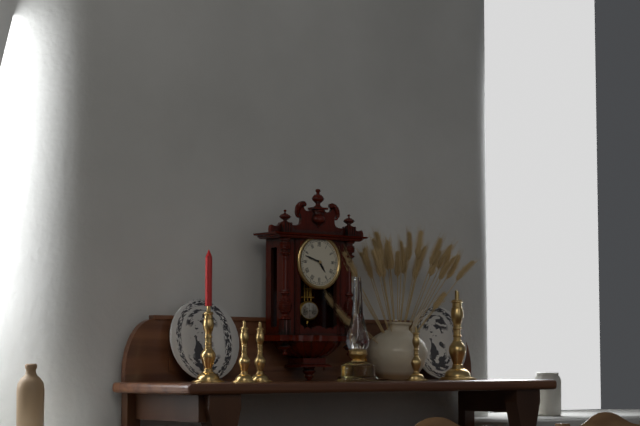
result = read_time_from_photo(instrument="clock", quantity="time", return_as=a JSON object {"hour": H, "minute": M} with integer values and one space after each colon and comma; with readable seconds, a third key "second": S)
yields {"hour": 4, "minute": 48}
